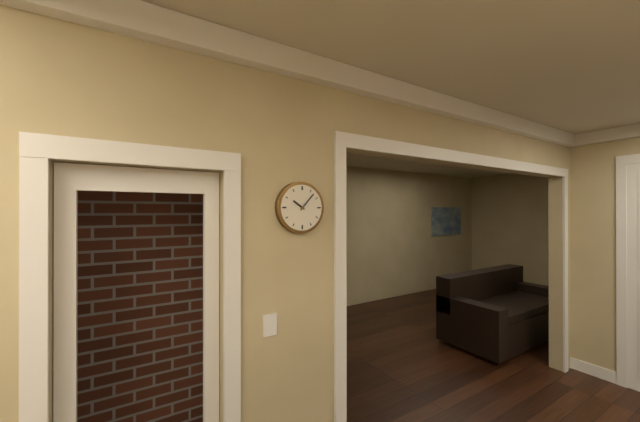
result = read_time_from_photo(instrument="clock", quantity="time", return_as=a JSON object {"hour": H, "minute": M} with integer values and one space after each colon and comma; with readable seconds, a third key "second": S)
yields {"hour": 10, "minute": 7}
